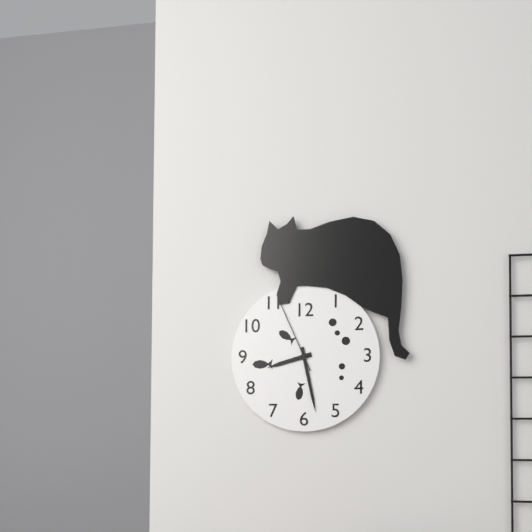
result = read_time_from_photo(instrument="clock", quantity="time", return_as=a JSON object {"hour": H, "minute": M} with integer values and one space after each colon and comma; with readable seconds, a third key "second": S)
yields {"hour": 8, "minute": 28, "second": 56}
